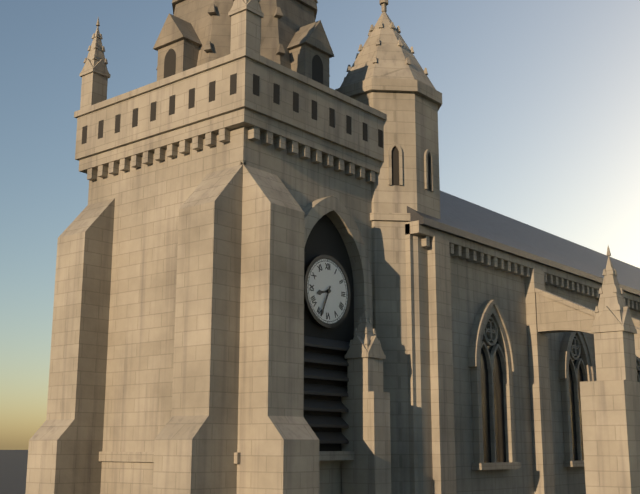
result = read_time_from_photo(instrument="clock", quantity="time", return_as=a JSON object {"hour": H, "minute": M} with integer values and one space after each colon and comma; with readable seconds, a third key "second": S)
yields {"hour": 8, "minute": 34}
